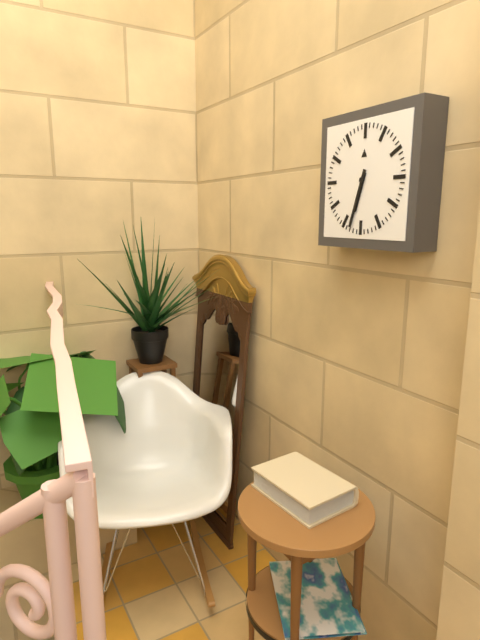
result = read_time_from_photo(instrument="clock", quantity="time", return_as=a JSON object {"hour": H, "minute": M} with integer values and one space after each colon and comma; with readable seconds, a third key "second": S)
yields {"hour": 6, "minute": 33}
